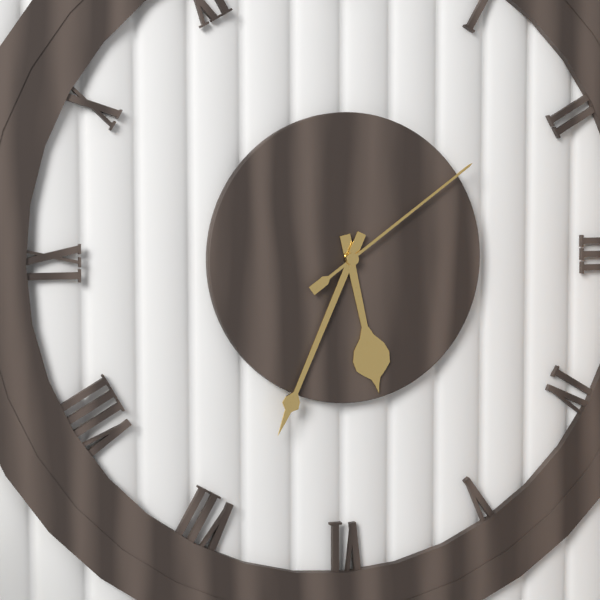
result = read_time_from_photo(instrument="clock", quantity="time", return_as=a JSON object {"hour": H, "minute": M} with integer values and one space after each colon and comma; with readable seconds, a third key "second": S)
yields {"hour": 5, "minute": 34, "second": 9}
